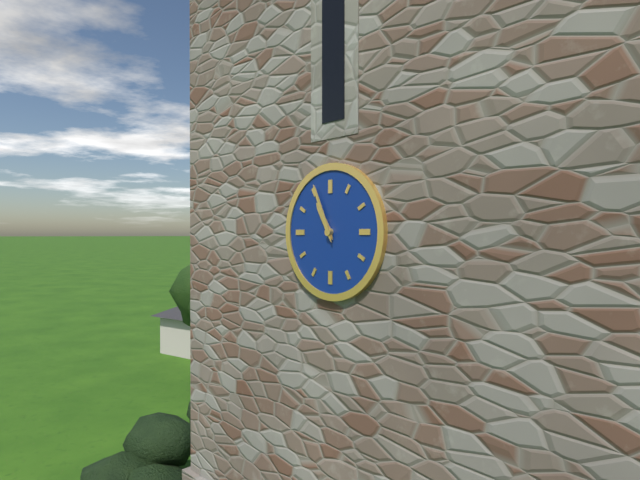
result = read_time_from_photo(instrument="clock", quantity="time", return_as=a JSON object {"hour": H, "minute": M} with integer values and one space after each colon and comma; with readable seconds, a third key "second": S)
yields {"hour": 10, "minute": 56}
